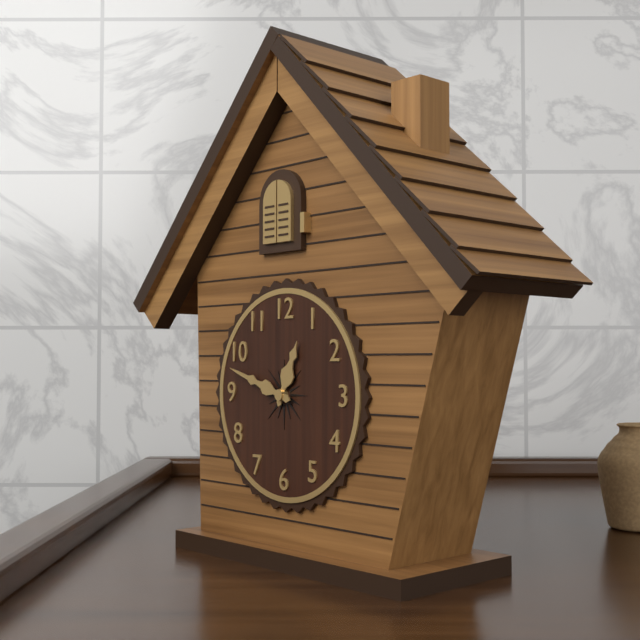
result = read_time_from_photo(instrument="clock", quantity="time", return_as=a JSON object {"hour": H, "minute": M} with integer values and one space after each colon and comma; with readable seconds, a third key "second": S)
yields {"hour": 12, "minute": 48}
